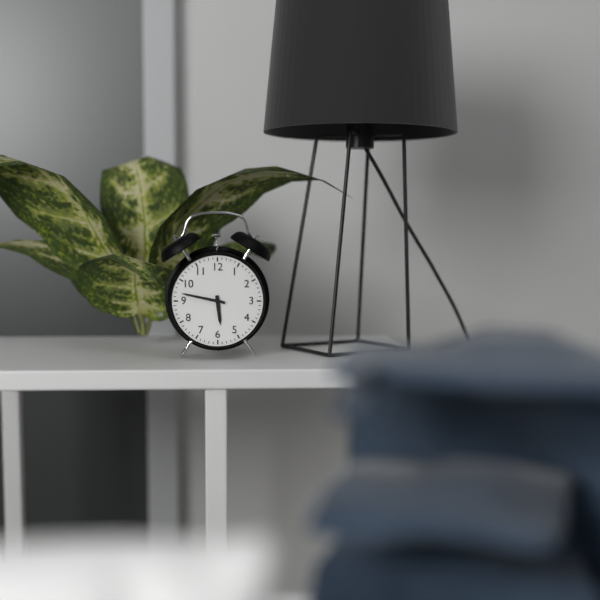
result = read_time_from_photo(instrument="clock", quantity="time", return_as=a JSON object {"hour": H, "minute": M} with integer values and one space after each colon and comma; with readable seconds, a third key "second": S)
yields {"hour": 5, "minute": 47}
